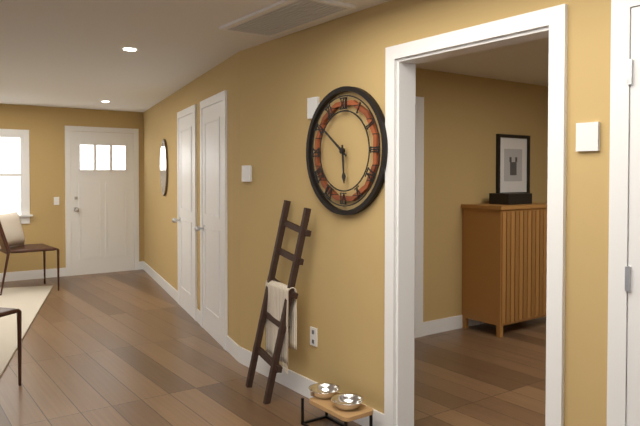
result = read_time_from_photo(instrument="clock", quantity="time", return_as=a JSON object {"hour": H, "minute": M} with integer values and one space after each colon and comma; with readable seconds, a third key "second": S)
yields {"hour": 5, "minute": 51}
